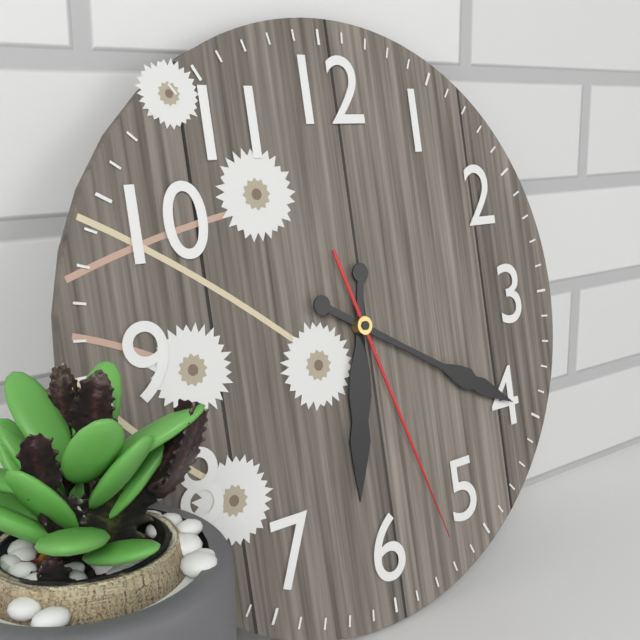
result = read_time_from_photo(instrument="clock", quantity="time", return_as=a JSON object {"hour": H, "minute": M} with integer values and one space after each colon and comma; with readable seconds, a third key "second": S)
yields {"hour": 6, "minute": 20, "second": 27}
